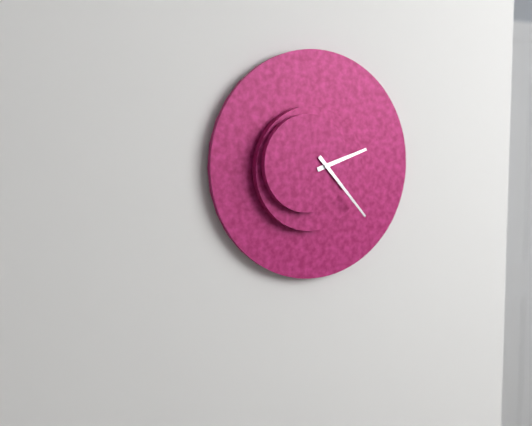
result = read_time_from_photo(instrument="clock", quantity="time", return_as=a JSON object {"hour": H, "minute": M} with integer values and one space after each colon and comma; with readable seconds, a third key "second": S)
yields {"hour": 2, "minute": 23}
